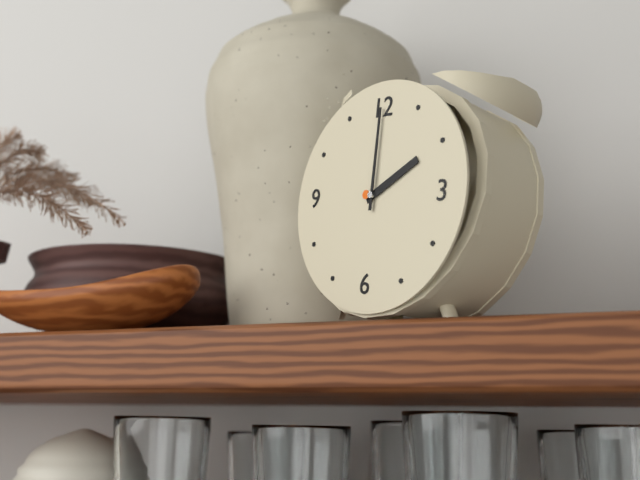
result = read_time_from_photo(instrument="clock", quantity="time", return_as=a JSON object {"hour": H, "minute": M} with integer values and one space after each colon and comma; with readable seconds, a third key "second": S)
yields {"hour": 2, "minute": 0}
